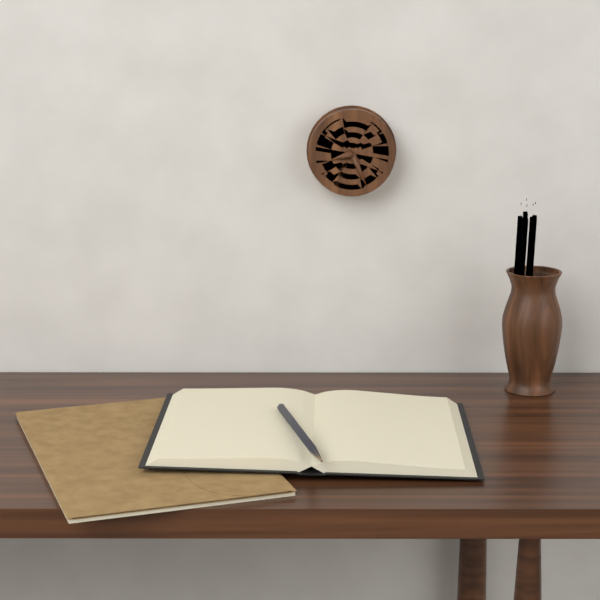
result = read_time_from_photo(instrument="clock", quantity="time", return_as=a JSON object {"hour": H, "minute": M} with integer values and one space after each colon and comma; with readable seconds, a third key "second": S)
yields {"hour": 8, "minute": 26}
